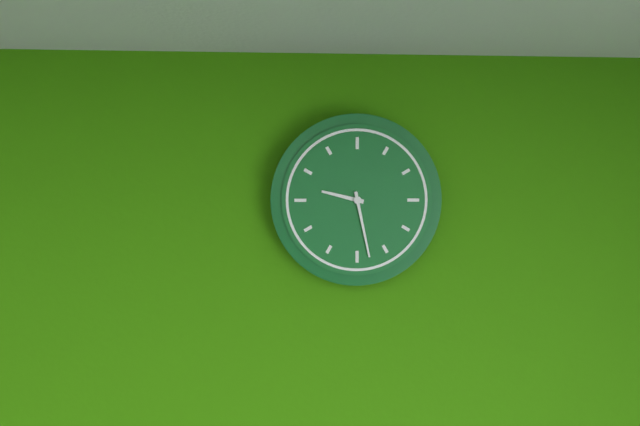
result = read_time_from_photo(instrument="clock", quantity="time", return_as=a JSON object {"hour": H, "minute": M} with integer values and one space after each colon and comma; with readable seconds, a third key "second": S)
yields {"hour": 9, "minute": 28}
